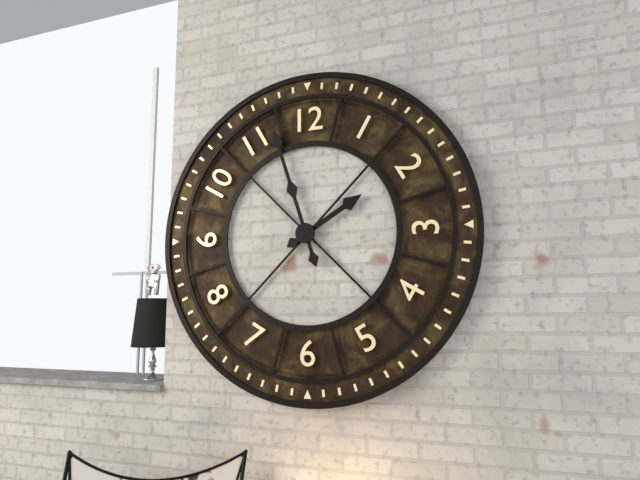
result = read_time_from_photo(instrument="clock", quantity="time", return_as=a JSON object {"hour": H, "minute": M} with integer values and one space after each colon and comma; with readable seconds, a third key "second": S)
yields {"hour": 1, "minute": 57}
